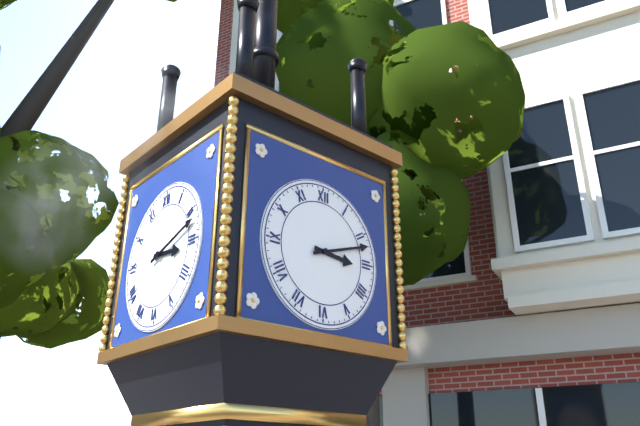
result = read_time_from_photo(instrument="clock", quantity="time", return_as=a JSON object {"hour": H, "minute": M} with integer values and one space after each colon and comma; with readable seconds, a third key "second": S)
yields {"hour": 3, "minute": 12}
